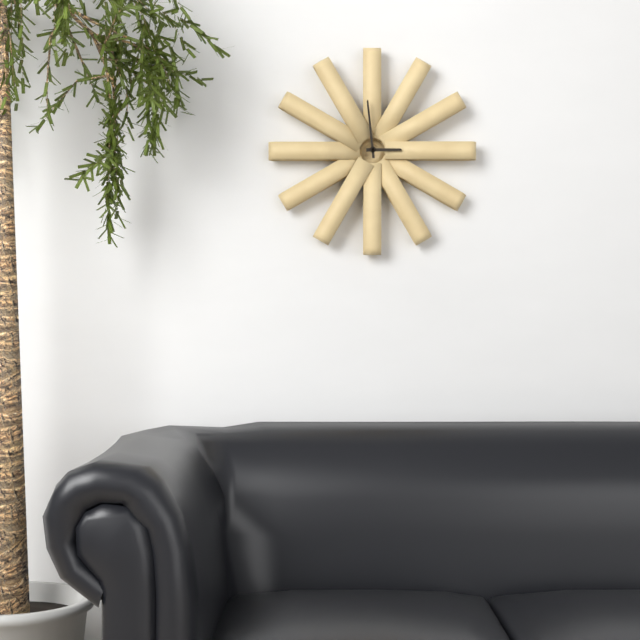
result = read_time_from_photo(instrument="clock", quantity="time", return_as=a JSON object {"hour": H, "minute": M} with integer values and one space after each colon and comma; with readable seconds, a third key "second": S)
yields {"hour": 2, "minute": 59}
